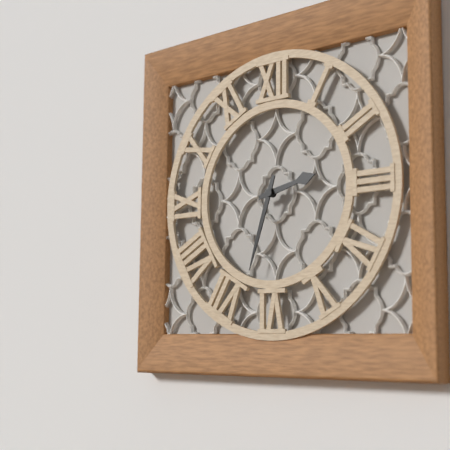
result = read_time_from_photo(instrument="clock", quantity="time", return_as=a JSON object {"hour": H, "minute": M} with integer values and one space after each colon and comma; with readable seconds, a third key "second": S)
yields {"hour": 2, "minute": 33}
